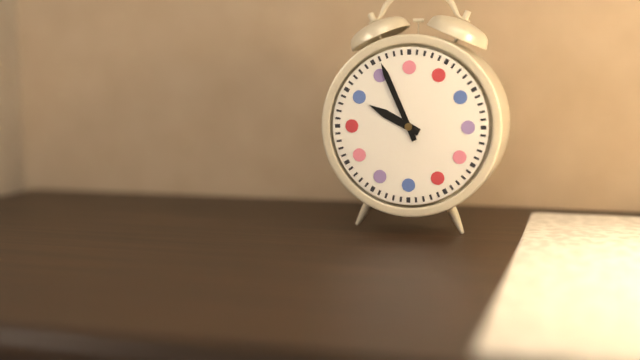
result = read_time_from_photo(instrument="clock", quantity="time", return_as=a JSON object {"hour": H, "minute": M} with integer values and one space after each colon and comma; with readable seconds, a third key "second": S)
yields {"hour": 9, "minute": 56}
